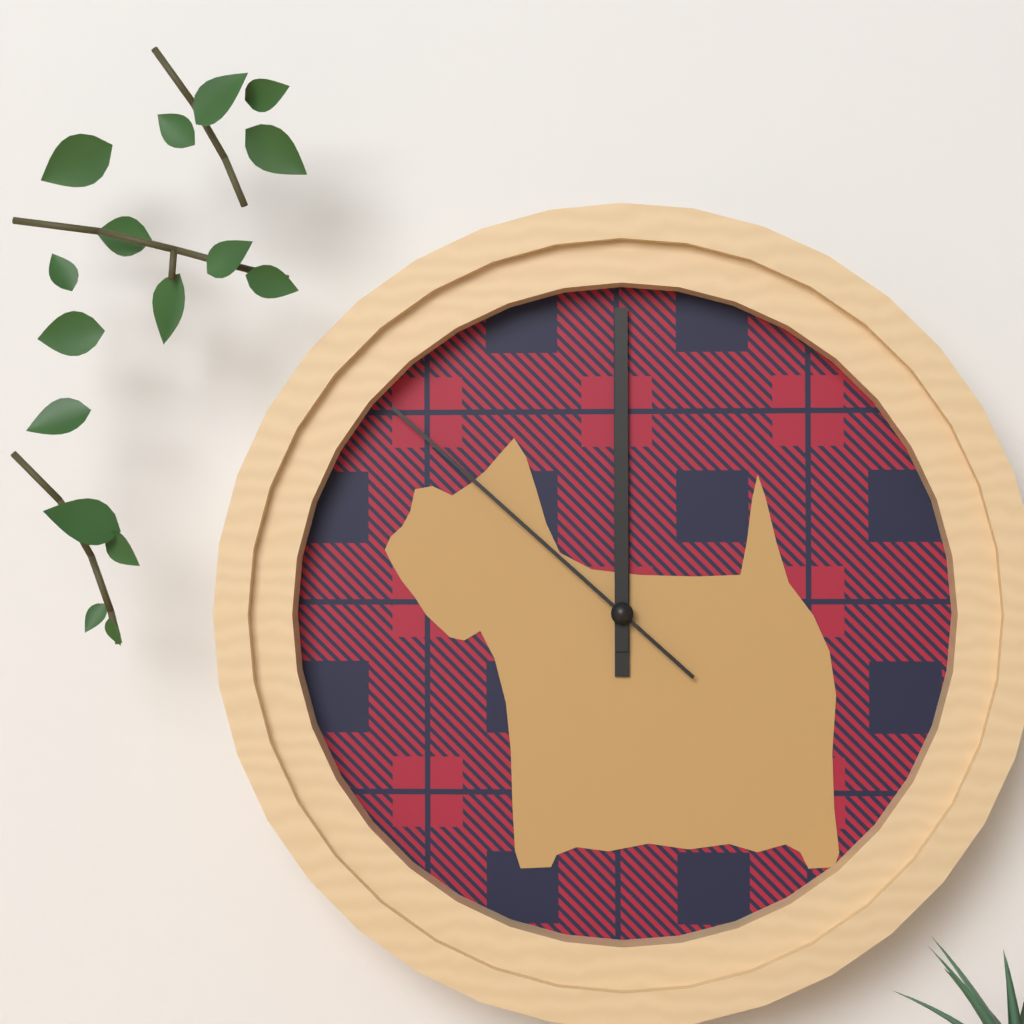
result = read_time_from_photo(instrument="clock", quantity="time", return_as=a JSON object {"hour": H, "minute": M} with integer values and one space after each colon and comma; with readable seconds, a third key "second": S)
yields {"hour": 12, "minute": 0, "second": 52}
